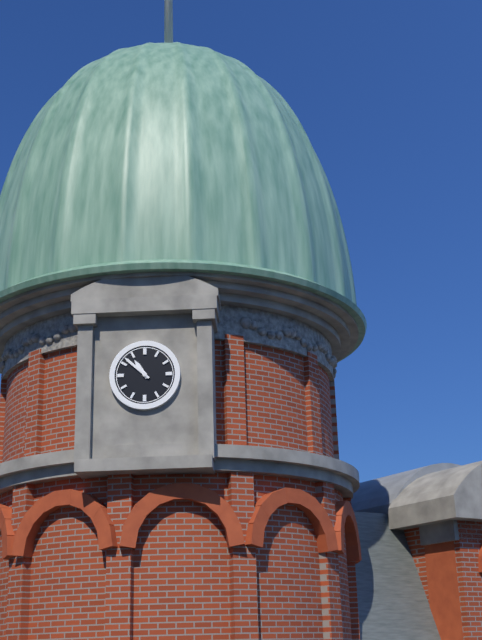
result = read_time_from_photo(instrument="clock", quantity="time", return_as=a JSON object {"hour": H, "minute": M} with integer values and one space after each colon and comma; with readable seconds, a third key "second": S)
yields {"hour": 10, "minute": 52}
